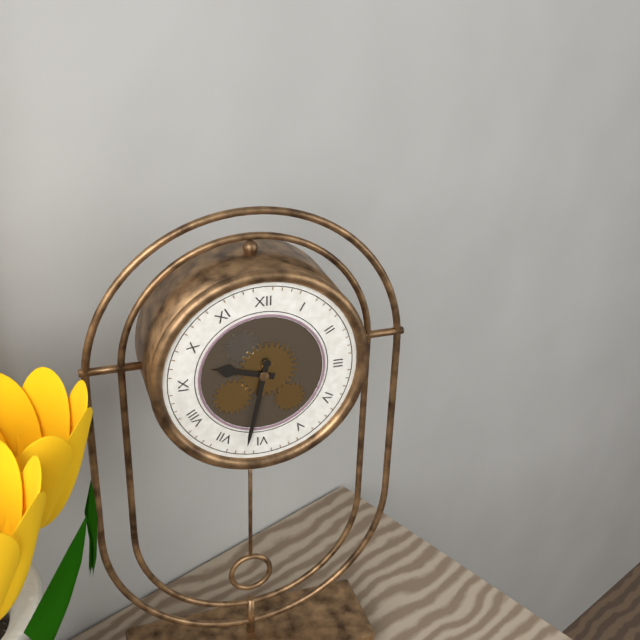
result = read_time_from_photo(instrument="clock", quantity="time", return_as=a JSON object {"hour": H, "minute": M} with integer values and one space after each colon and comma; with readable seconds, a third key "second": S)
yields {"hour": 9, "minute": 32}
